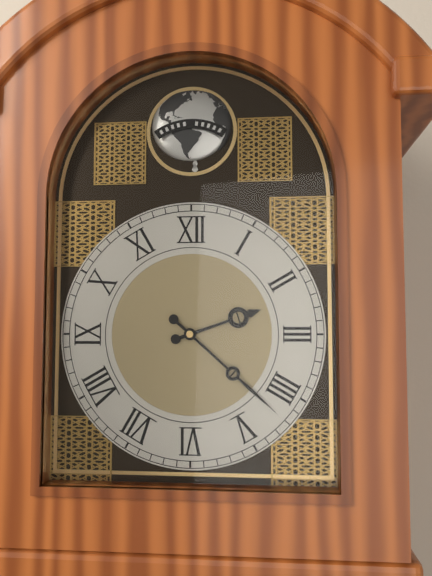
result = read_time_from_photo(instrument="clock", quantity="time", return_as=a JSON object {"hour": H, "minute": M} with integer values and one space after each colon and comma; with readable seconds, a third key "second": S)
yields {"hour": 2, "minute": 22}
